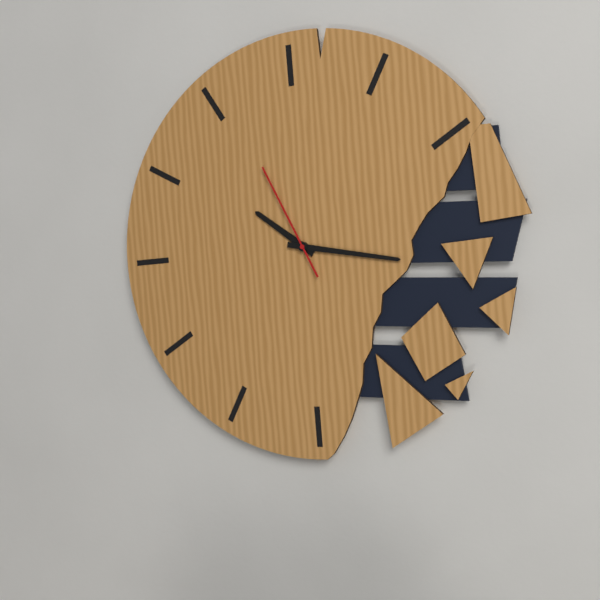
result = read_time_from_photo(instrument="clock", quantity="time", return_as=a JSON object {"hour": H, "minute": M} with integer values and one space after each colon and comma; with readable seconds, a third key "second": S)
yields {"hour": 10, "minute": 17, "second": 56}
